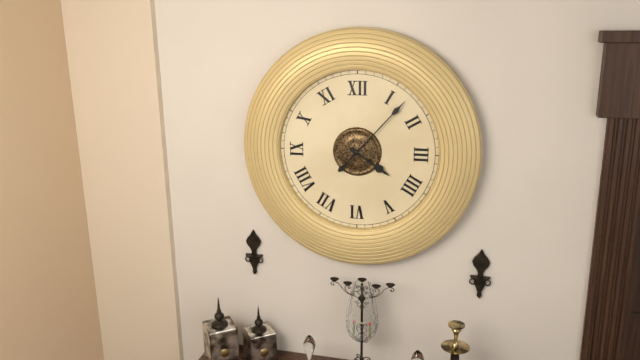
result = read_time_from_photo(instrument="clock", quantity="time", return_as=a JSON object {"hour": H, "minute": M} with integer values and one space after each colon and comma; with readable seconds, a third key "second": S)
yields {"hour": 4, "minute": 7}
